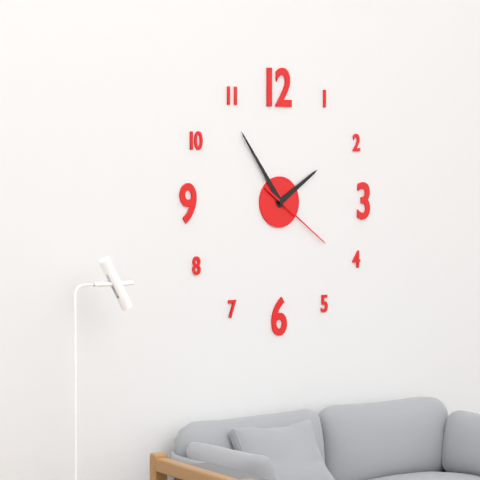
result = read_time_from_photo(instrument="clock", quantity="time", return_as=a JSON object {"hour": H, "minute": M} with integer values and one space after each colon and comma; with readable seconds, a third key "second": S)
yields {"hour": 1, "minute": 54, "second": 21}
